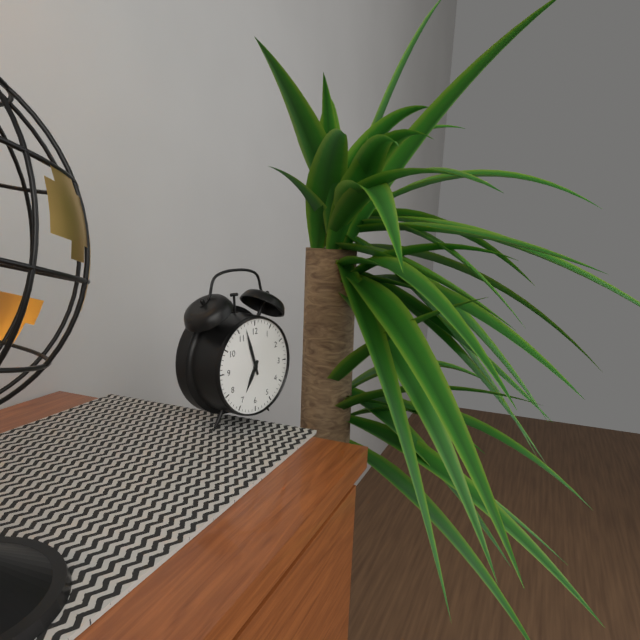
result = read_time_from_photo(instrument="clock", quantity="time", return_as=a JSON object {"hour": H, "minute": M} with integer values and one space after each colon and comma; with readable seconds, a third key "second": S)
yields {"hour": 6, "minute": 57}
